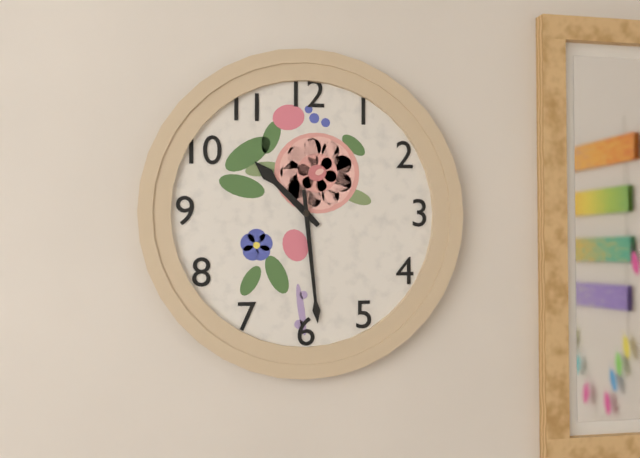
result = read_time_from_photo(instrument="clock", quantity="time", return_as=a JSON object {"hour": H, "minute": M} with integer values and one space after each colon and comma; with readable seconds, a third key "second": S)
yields {"hour": 10, "minute": 29}
